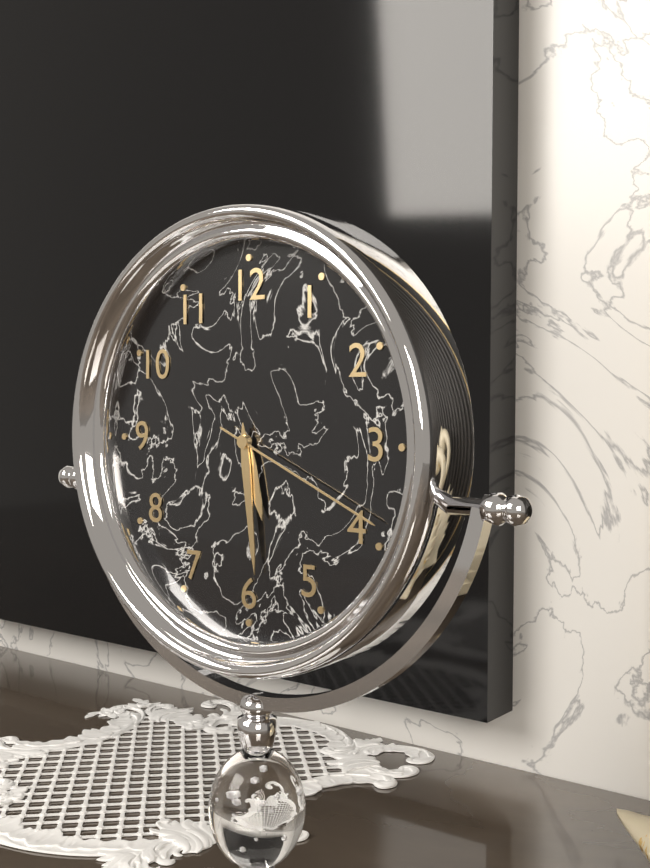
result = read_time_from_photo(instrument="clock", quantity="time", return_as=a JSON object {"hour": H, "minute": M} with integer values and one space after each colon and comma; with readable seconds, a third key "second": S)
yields {"hour": 5, "minute": 29, "second": 19}
